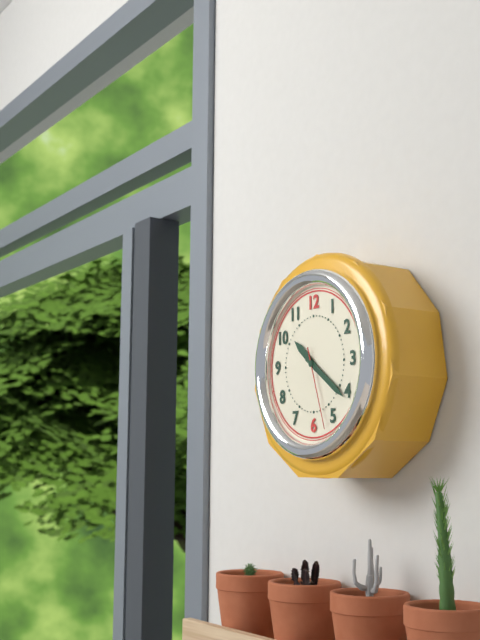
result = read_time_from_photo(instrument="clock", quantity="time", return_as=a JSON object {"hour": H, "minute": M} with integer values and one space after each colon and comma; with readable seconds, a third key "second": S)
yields {"hour": 10, "minute": 21, "second": 27}
